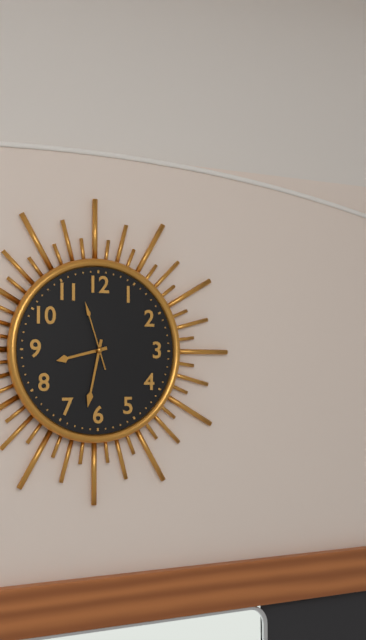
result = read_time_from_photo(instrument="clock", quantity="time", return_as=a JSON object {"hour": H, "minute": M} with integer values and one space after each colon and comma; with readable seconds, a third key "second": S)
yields {"hour": 8, "minute": 32, "second": 57}
